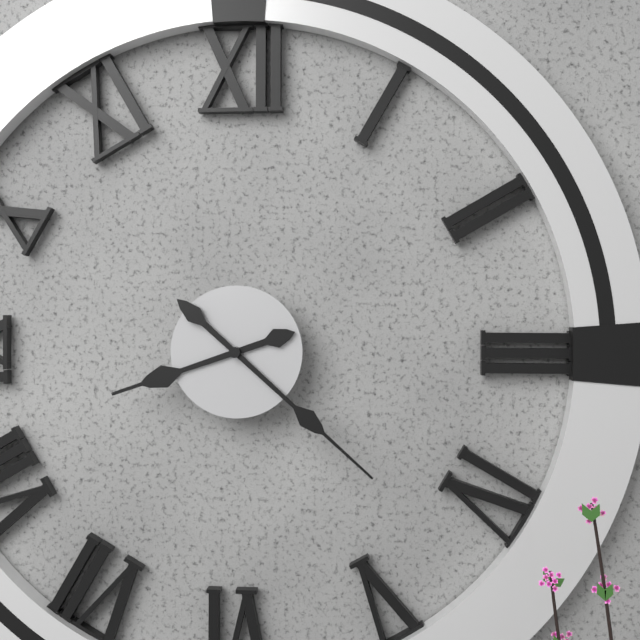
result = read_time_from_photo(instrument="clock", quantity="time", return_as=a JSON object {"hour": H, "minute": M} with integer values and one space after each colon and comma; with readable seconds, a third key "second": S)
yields {"hour": 8, "minute": 22}
